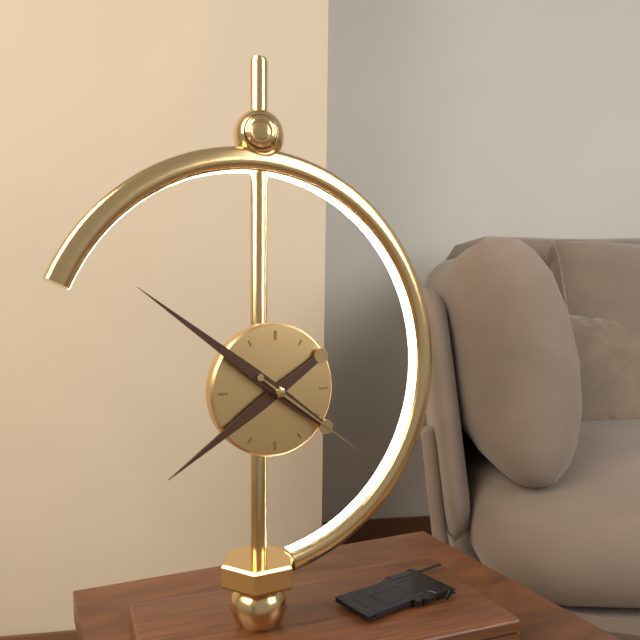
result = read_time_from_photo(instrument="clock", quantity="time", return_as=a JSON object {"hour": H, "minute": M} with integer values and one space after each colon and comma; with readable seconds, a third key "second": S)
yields {"hour": 7, "minute": 51, "second": 21}
